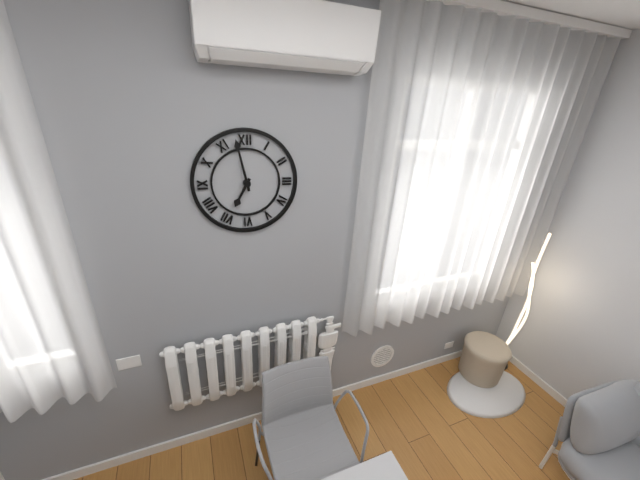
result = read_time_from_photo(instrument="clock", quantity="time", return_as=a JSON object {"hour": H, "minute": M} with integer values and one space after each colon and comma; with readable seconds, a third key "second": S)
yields {"hour": 6, "minute": 58}
